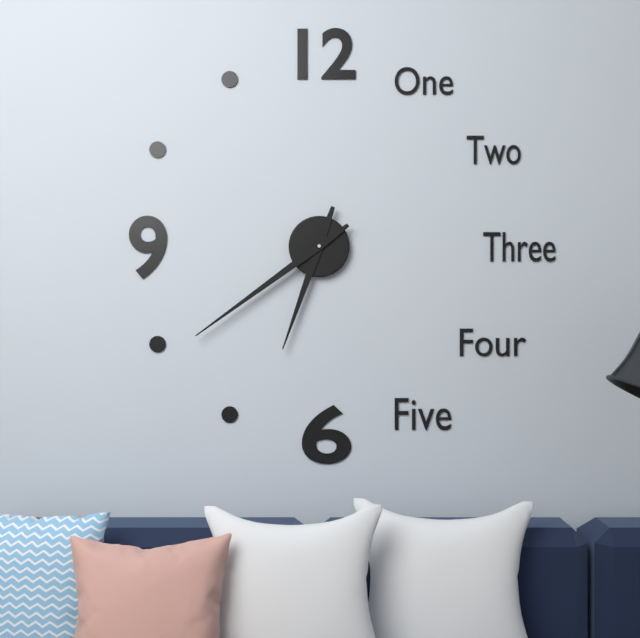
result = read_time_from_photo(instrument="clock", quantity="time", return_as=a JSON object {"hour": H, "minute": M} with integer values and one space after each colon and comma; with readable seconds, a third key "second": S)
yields {"hour": 6, "minute": 39}
